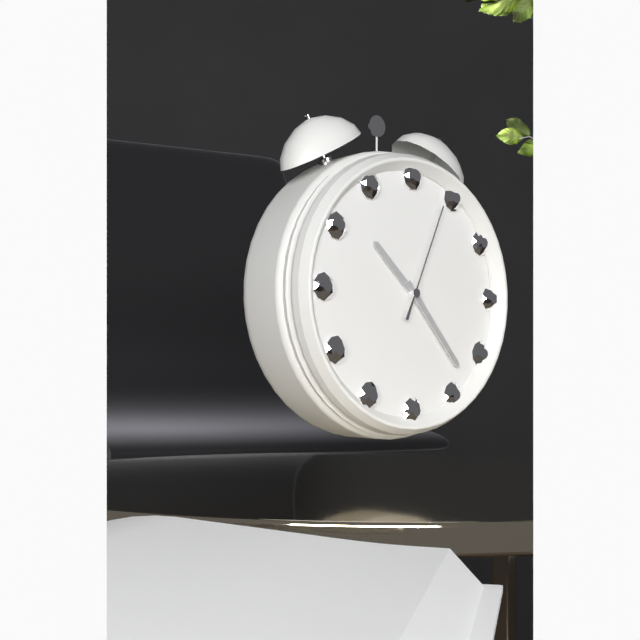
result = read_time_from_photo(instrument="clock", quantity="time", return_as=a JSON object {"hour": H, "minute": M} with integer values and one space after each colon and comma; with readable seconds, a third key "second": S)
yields {"hour": 10, "minute": 23, "second": 4}
